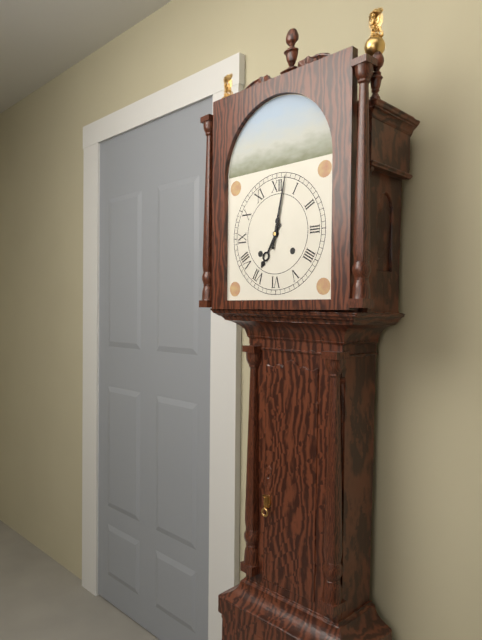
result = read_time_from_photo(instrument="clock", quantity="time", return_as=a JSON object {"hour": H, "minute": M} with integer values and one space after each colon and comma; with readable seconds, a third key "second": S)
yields {"hour": 7, "minute": 2}
